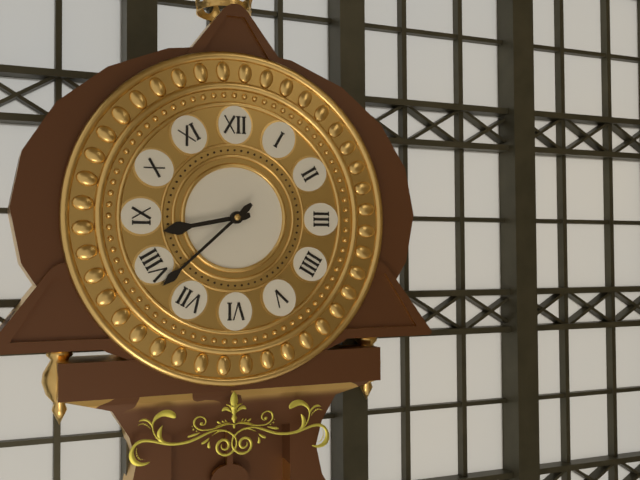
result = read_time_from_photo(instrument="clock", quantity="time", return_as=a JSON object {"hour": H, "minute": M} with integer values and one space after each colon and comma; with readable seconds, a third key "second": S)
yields {"hour": 8, "minute": 38}
